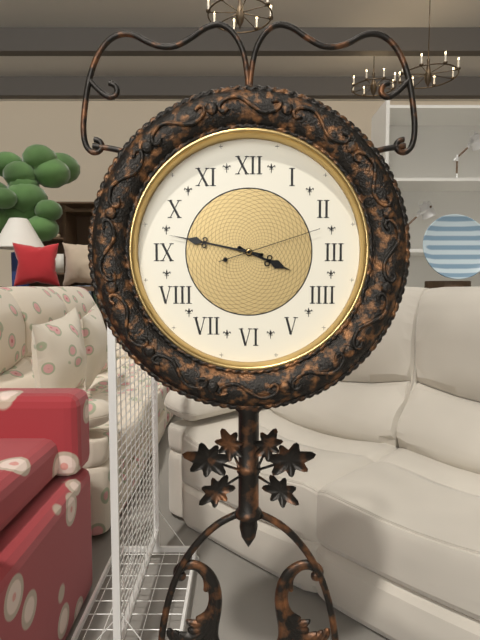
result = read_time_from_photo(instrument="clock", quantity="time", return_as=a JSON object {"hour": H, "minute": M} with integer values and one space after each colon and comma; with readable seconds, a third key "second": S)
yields {"hour": 3, "minute": 47, "second": 12}
